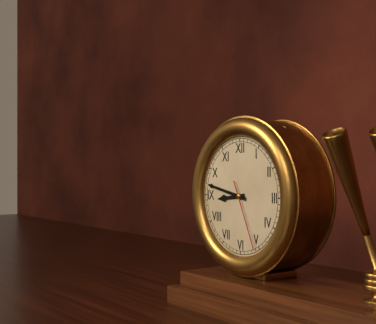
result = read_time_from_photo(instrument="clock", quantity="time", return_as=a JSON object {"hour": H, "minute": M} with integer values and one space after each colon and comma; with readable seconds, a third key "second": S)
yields {"hour": 8, "minute": 47, "second": 26}
